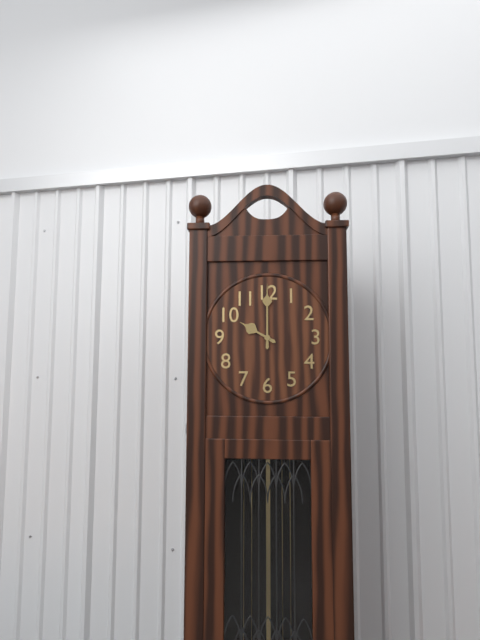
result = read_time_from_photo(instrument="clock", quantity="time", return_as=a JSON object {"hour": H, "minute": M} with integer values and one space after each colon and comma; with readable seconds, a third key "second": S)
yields {"hour": 10, "minute": 0}
